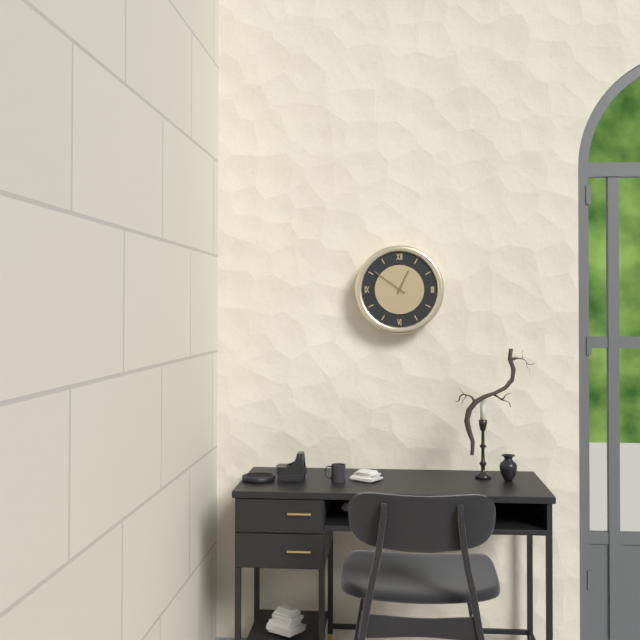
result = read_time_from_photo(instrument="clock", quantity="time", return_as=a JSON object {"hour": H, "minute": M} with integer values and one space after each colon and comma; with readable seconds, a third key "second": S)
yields {"hour": 12, "minute": 51}
